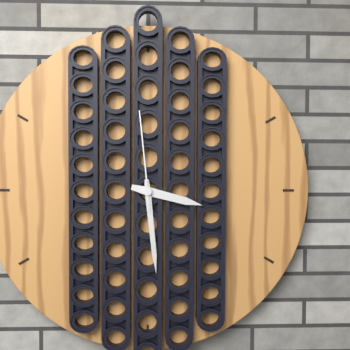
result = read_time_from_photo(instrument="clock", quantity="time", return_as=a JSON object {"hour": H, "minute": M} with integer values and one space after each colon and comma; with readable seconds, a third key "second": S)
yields {"hour": 3, "minute": 29, "second": 59}
